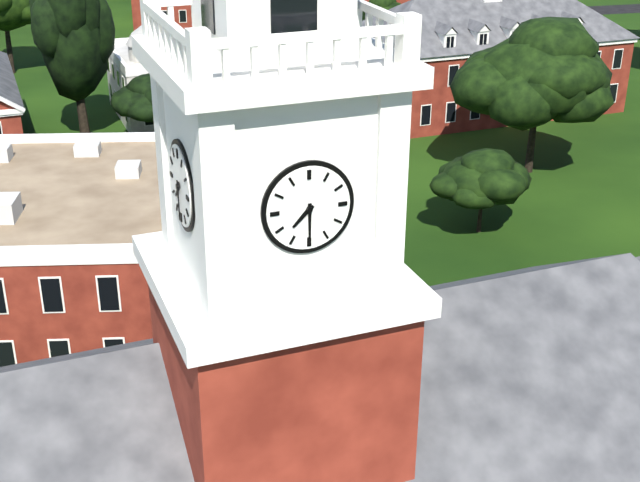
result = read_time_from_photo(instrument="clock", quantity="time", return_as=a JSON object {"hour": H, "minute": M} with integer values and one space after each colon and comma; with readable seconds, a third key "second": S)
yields {"hour": 7, "minute": 30}
